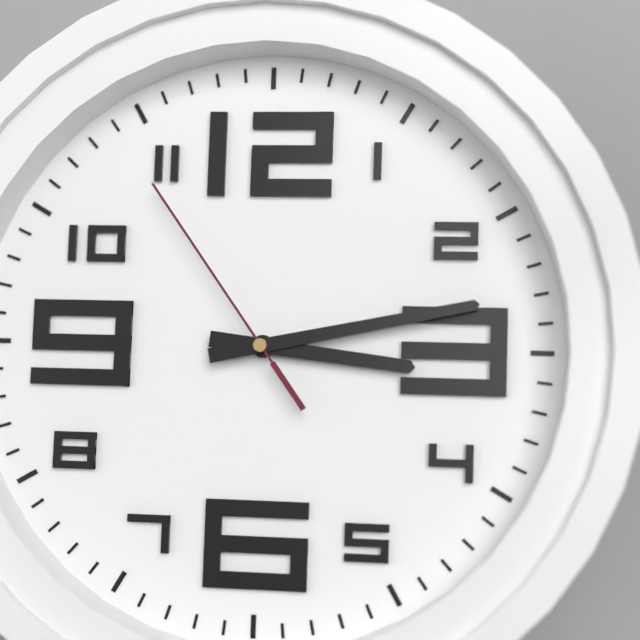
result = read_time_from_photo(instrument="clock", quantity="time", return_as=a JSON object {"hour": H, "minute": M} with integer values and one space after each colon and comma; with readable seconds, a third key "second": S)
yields {"hour": 3, "minute": 13, "second": 54}
